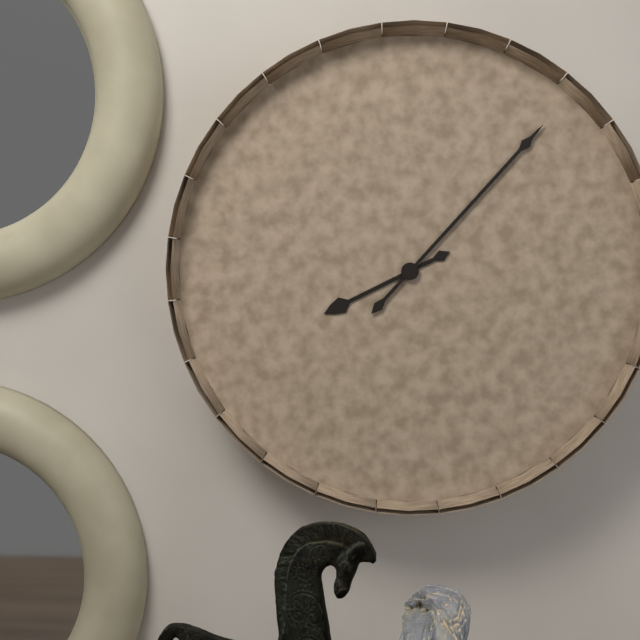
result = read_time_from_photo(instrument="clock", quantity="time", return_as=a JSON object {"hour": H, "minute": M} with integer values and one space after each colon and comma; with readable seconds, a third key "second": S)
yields {"hour": 8, "minute": 7}
